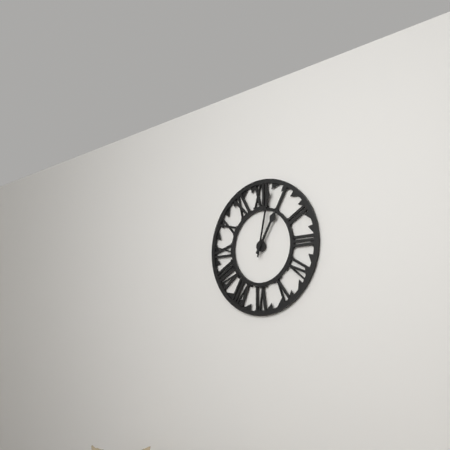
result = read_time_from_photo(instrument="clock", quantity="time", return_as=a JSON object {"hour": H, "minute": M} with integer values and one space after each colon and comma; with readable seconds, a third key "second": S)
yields {"hour": 1, "minute": 2}
